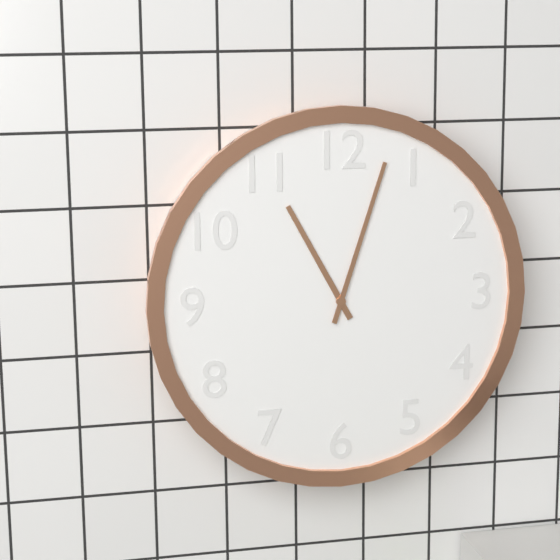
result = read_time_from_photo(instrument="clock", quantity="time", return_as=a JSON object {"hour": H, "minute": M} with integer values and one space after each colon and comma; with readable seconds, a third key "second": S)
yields {"hour": 11, "minute": 3}
